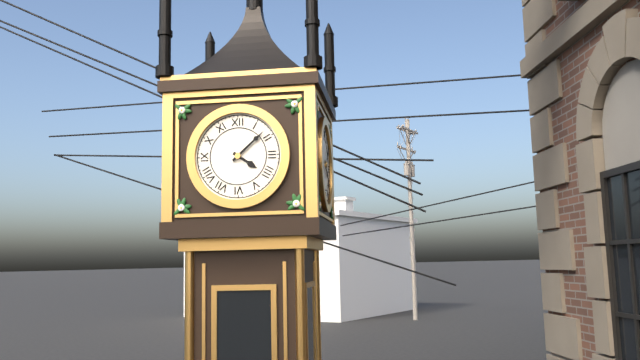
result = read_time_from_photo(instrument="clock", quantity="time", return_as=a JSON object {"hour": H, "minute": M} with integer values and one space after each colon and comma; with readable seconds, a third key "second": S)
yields {"hour": 4, "minute": 8}
